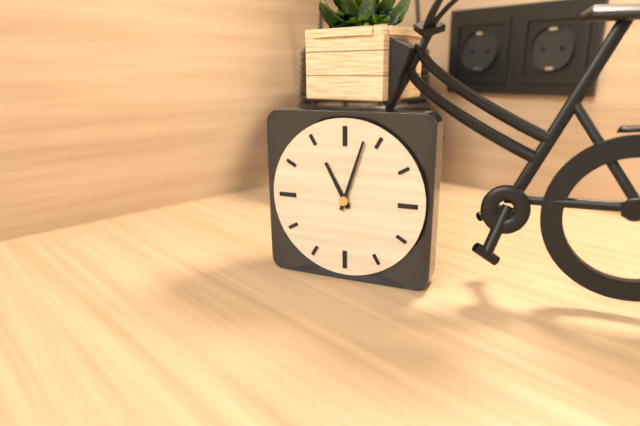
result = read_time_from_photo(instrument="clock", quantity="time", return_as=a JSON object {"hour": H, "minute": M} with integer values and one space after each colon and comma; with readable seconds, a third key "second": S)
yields {"hour": 11, "minute": 3}
